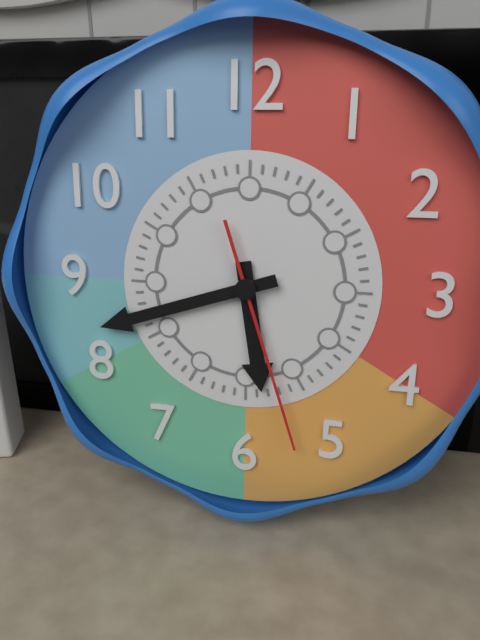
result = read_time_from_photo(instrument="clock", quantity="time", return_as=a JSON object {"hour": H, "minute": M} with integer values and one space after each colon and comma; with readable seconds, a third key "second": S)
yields {"hour": 5, "minute": 42, "second": 27}
